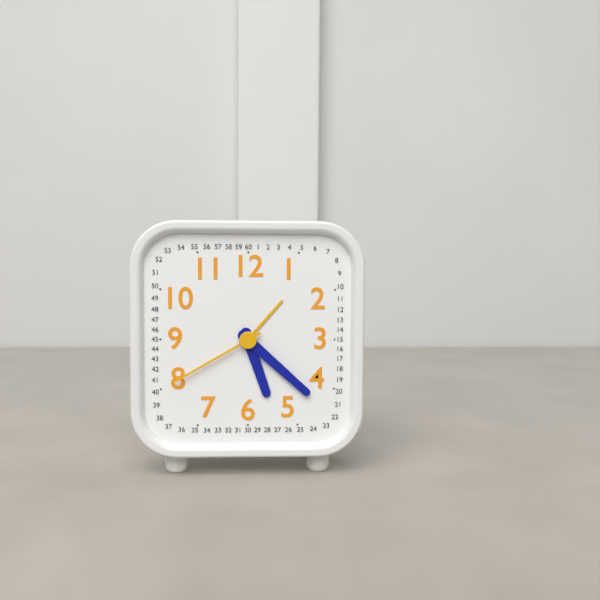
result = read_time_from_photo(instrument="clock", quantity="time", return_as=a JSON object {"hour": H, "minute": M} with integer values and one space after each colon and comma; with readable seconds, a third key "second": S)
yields {"hour": 5, "minute": 22, "second": 40}
